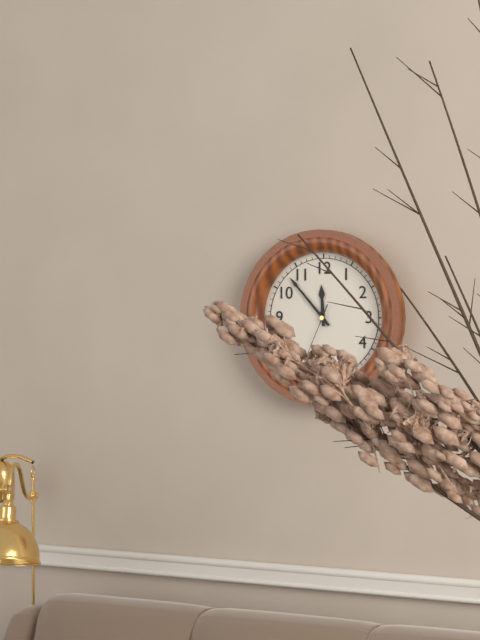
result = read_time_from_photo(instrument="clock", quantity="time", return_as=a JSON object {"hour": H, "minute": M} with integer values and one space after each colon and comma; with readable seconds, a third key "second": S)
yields {"hour": 11, "minute": 53, "second": 34}
